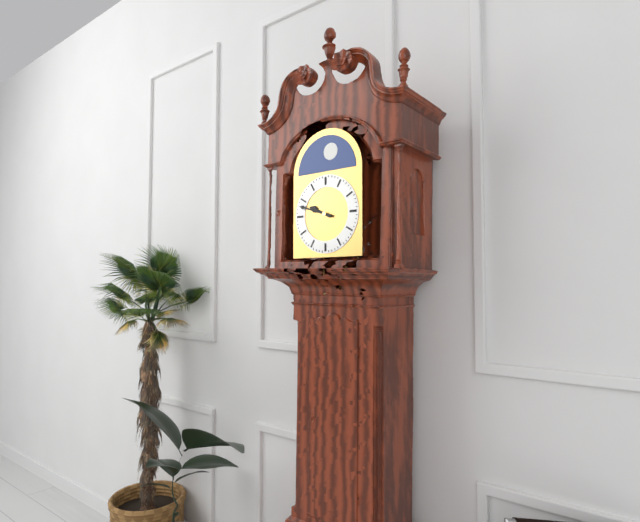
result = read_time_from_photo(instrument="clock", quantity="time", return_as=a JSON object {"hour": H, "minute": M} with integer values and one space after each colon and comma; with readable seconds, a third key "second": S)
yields {"hour": 9, "minute": 48}
